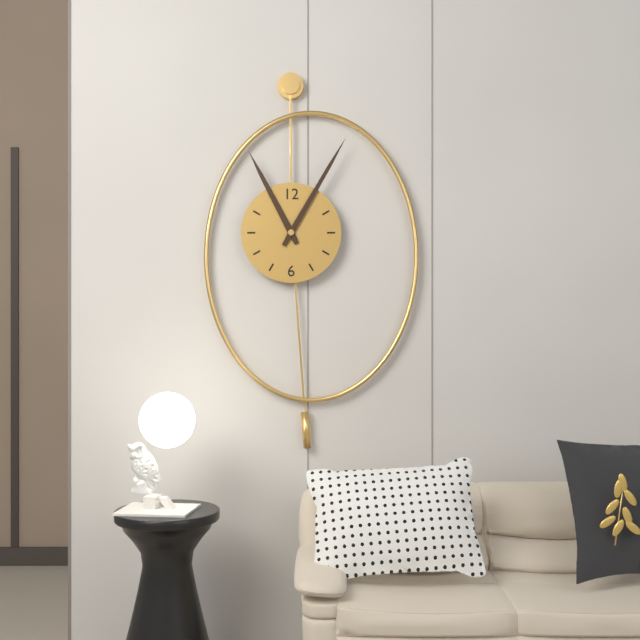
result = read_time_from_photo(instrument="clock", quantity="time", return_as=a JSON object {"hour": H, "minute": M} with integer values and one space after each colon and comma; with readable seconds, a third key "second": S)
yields {"hour": 11, "minute": 5}
